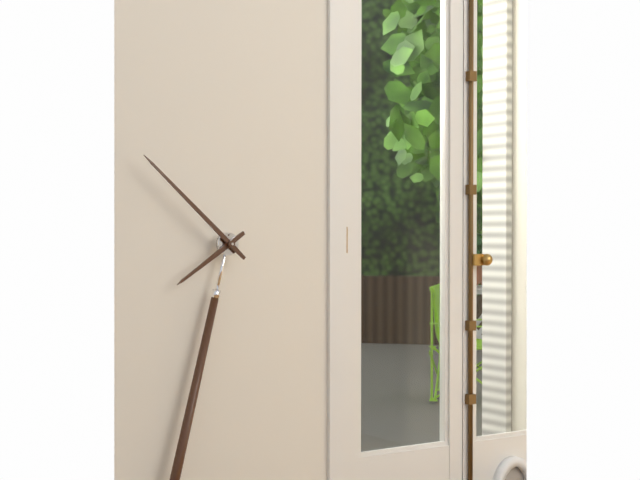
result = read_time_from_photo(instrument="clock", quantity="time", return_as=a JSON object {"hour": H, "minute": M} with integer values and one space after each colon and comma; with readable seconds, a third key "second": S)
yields {"hour": 7, "minute": 52}
